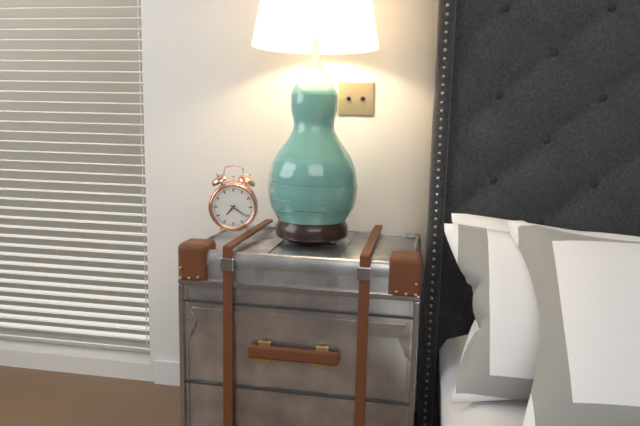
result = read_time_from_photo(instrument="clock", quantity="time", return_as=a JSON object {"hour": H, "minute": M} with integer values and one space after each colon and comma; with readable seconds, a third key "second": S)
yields {"hour": 7, "minute": 21}
